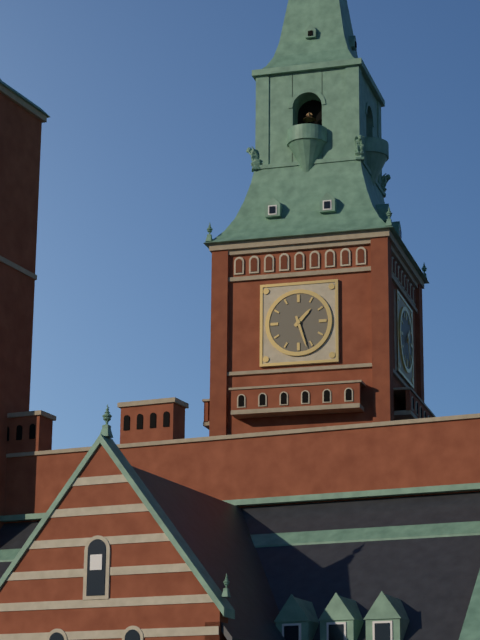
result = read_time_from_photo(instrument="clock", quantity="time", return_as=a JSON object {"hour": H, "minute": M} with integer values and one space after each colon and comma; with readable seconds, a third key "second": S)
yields {"hour": 1, "minute": 27}
